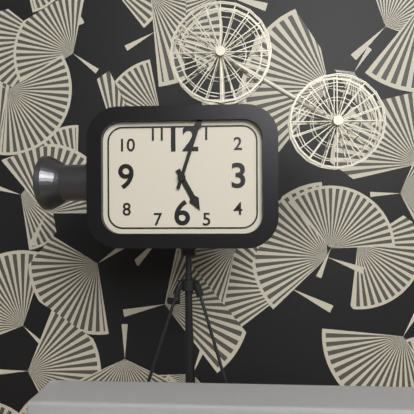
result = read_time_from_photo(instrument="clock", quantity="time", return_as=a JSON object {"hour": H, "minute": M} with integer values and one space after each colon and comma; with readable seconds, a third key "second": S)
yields {"hour": 5, "minute": 3}
